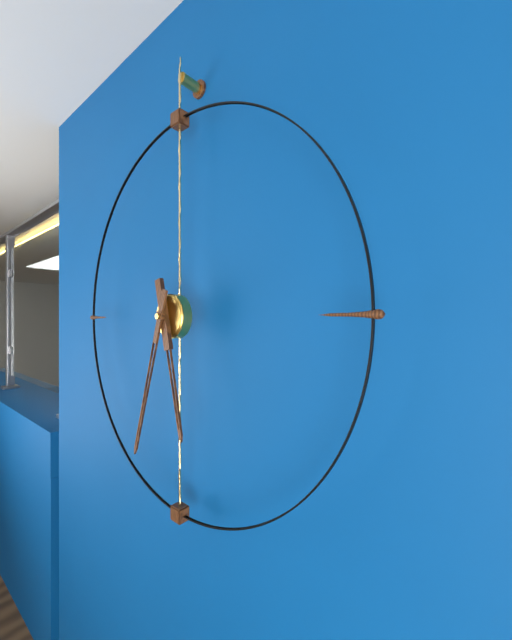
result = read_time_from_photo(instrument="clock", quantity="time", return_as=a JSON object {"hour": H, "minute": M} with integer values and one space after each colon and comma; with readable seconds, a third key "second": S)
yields {"hour": 5, "minute": 33}
